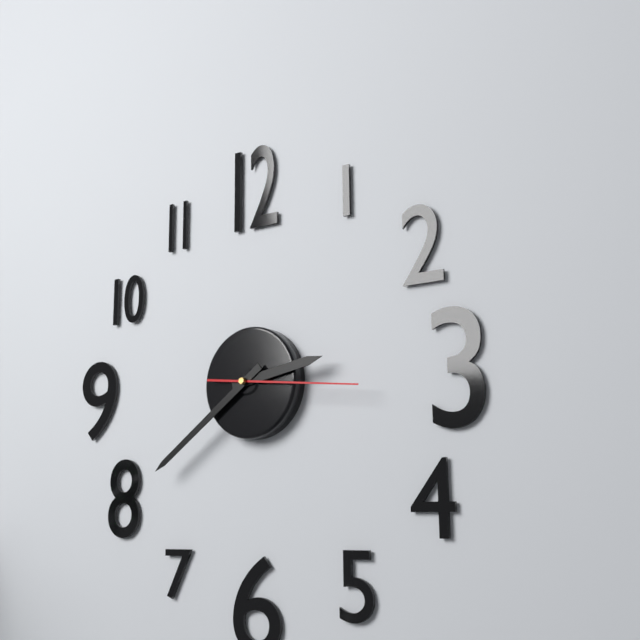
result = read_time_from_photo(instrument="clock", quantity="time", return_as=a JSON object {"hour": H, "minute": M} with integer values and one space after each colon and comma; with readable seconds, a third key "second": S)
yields {"hour": 2, "minute": 39, "second": 16}
